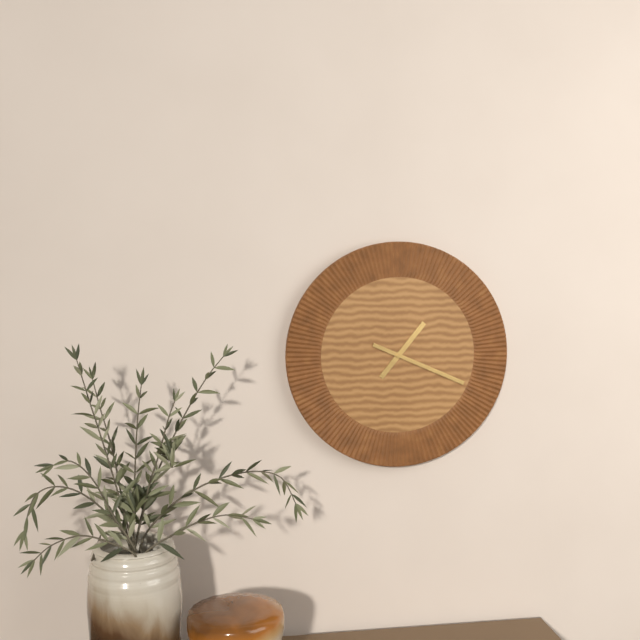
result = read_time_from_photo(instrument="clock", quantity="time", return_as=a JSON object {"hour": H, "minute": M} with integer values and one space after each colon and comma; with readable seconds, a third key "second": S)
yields {"hour": 1, "minute": 19}
